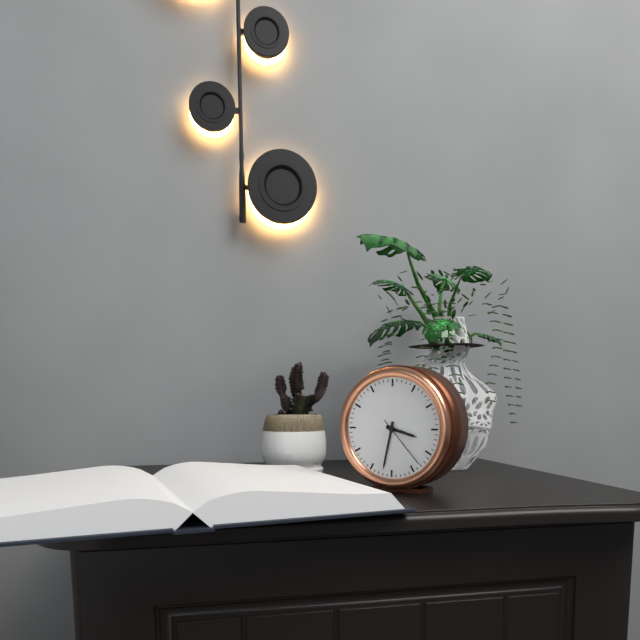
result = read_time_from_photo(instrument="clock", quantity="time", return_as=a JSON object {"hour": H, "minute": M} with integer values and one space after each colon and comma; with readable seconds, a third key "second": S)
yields {"hour": 3, "minute": 32}
